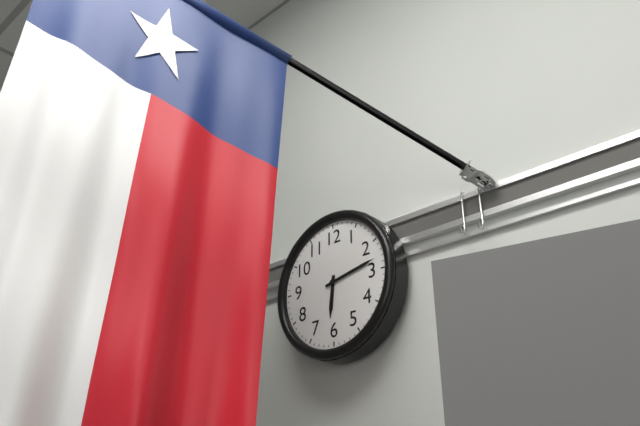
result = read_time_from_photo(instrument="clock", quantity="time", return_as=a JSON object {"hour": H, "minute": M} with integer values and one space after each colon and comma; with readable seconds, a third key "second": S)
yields {"hour": 6, "minute": 13}
